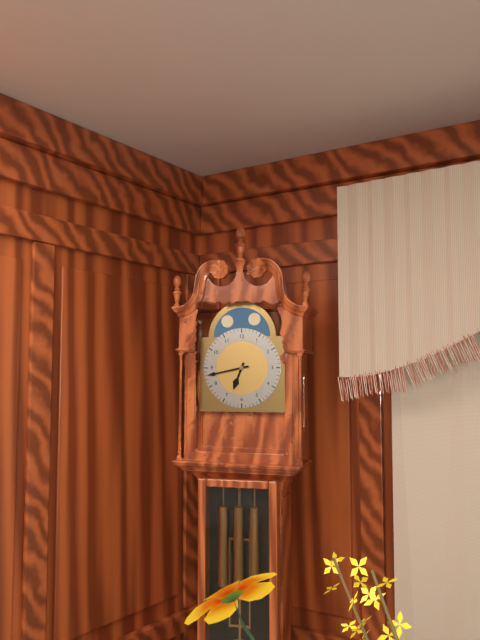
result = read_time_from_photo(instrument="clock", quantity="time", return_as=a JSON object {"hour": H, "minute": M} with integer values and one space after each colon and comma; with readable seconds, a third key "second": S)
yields {"hour": 6, "minute": 43}
